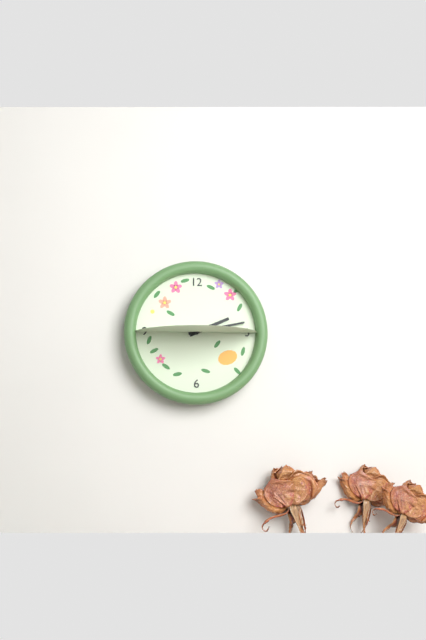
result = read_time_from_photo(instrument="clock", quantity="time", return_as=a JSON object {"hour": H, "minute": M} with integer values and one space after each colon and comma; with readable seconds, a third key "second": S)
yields {"hour": 2, "minute": 13}
